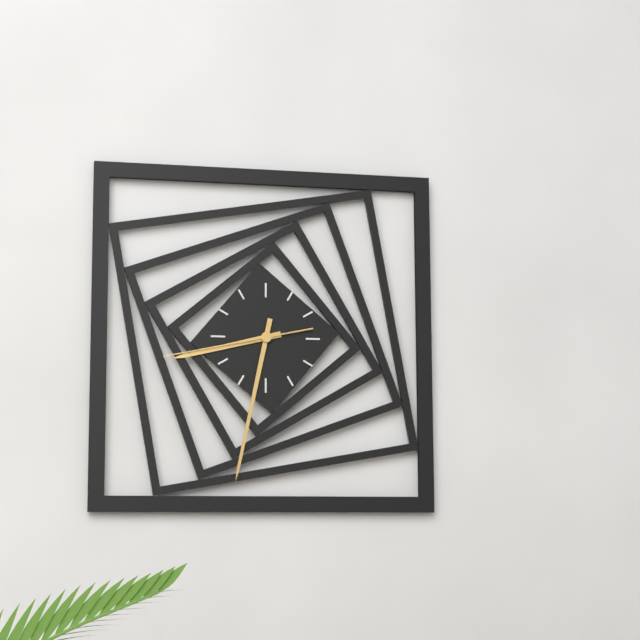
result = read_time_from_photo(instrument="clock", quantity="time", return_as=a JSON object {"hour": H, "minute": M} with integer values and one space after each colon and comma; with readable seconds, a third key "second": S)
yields {"hour": 8, "minute": 32, "second": 43}
